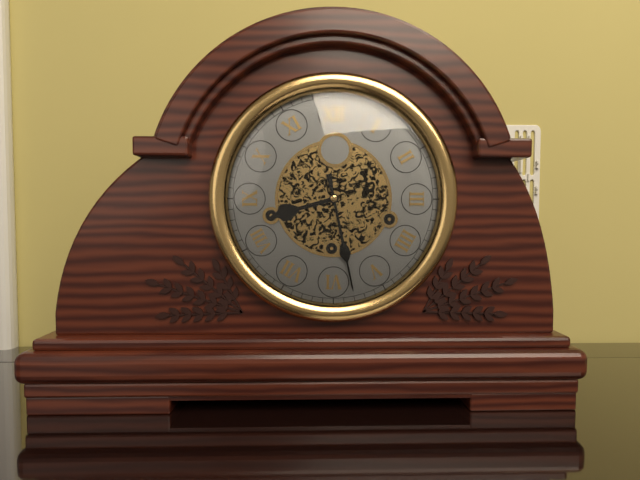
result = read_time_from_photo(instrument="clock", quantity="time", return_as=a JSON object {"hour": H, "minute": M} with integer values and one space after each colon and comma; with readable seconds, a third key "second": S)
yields {"hour": 8, "minute": 28}
